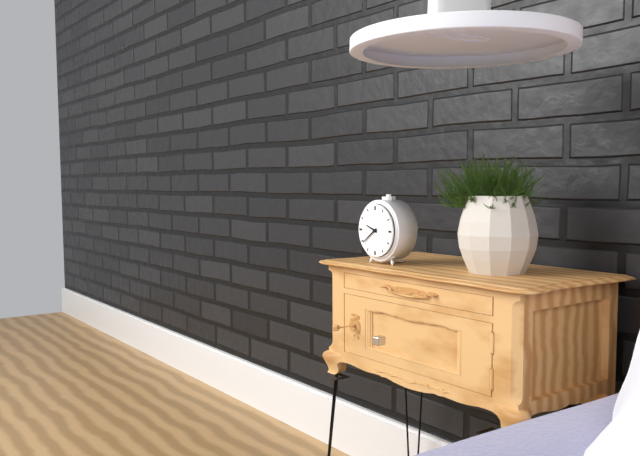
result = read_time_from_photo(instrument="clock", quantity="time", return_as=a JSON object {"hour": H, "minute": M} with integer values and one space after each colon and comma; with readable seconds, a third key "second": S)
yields {"hour": 9, "minute": 39}
